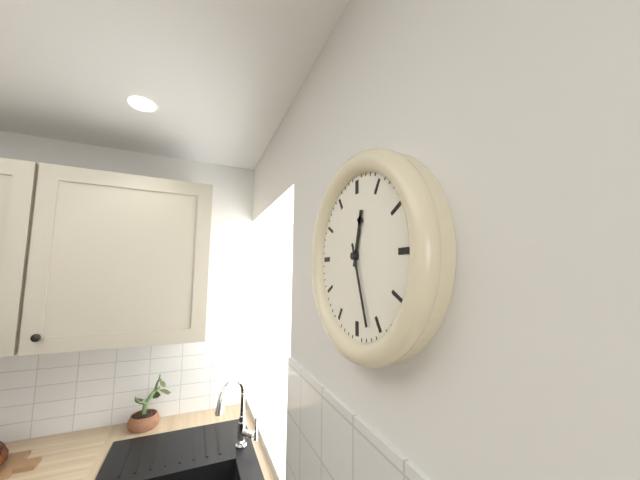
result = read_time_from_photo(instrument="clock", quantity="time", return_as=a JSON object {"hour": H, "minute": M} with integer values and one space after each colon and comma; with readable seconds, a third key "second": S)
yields {"hour": 12, "minute": 27}
